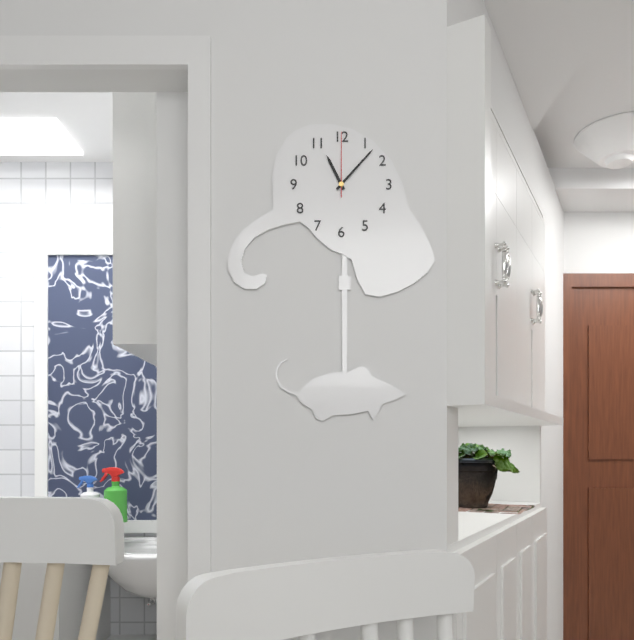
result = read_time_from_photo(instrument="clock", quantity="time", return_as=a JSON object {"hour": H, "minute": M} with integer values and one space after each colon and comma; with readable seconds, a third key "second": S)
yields {"hour": 11, "minute": 7, "second": 0}
